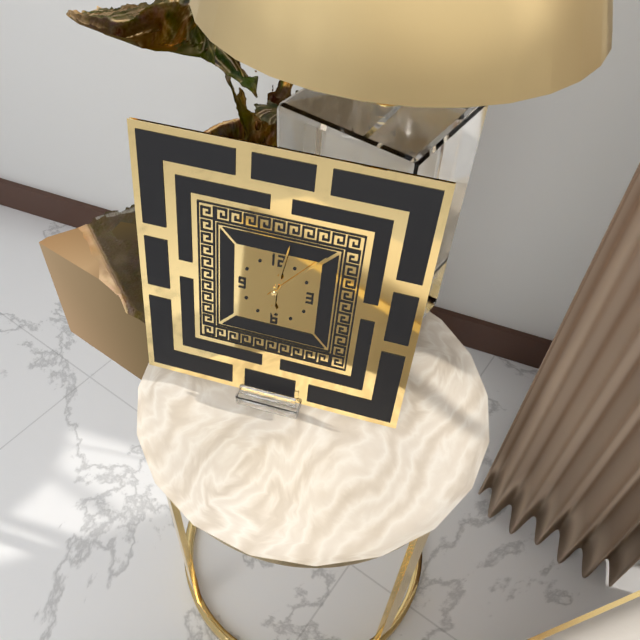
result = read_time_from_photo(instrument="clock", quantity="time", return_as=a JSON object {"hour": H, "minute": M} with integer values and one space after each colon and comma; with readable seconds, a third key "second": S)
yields {"hour": 6, "minute": 2, "second": 7}
